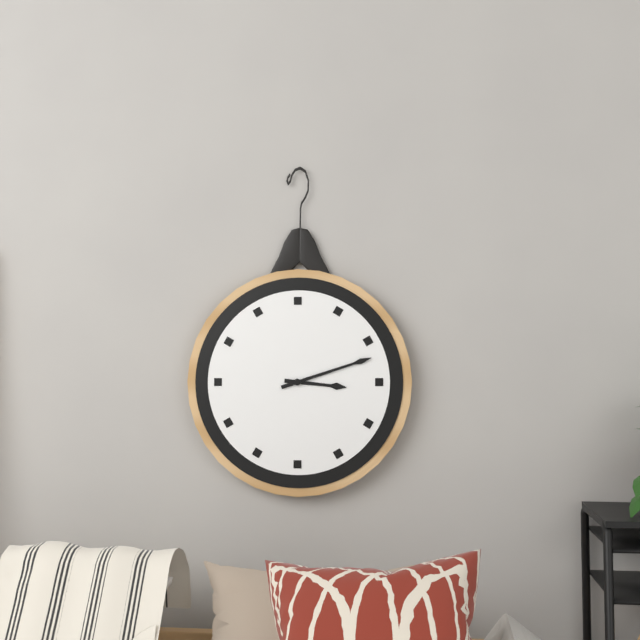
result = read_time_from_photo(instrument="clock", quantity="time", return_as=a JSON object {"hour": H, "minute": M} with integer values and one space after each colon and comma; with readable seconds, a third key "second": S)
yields {"hour": 3, "minute": 12}
